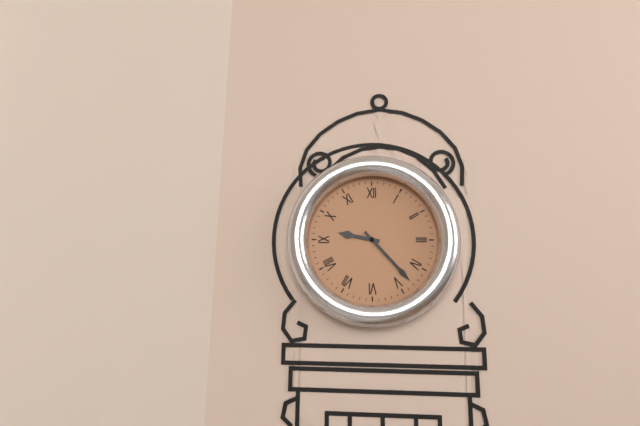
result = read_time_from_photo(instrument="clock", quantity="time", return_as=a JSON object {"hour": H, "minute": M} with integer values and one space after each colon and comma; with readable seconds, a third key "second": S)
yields {"hour": 9, "minute": 23}
